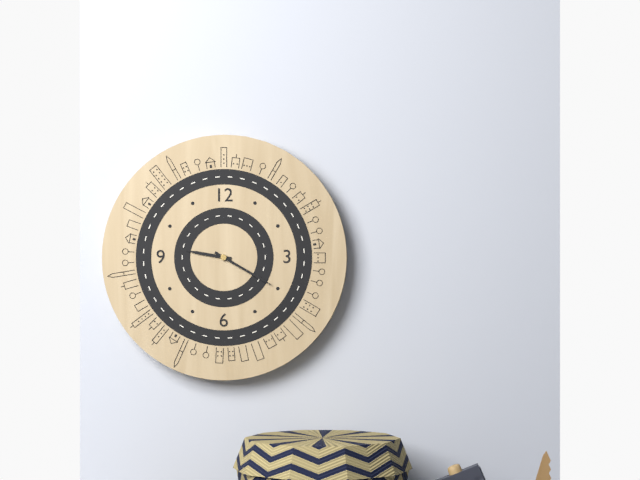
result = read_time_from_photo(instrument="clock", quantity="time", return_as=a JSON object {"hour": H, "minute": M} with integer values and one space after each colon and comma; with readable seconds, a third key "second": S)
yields {"hour": 9, "minute": 20}
